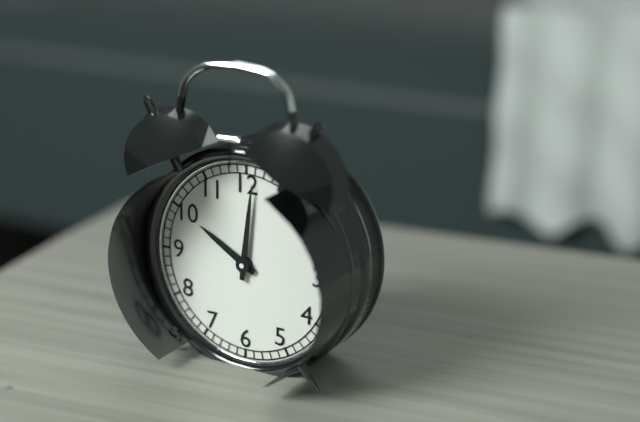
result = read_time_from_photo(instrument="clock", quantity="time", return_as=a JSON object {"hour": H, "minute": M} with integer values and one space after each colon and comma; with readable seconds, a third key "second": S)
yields {"hour": 10, "minute": 1}
